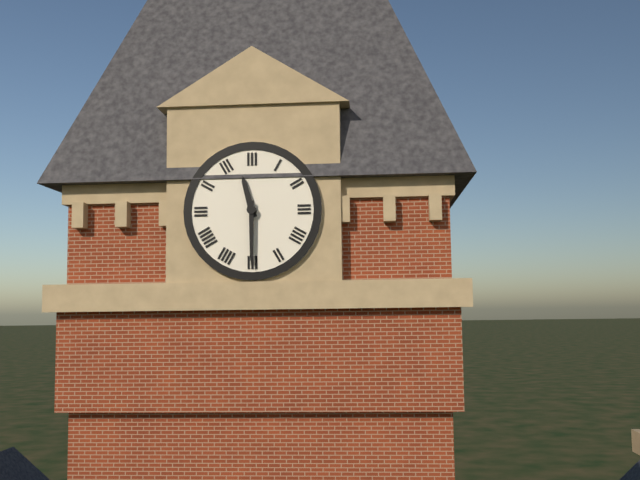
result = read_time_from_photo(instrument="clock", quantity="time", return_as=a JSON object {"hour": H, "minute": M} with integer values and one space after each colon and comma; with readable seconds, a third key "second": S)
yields {"hour": 11, "minute": 30}
